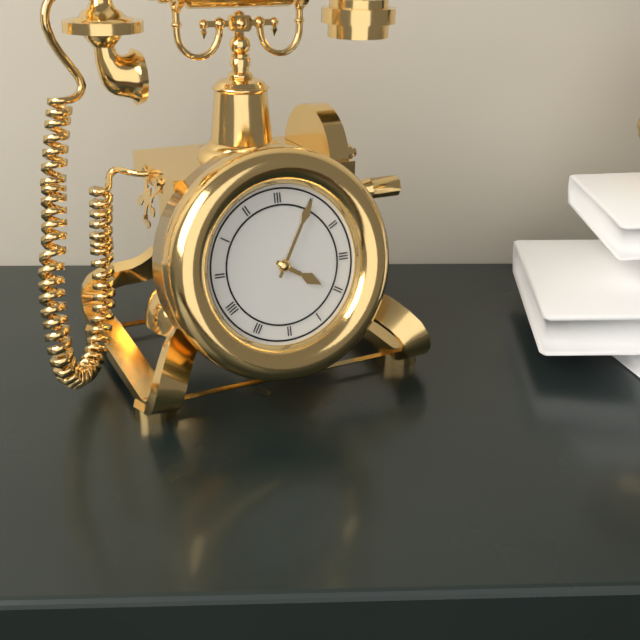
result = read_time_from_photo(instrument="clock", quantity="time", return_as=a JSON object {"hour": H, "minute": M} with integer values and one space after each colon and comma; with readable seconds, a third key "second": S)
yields {"hour": 4, "minute": 5}
